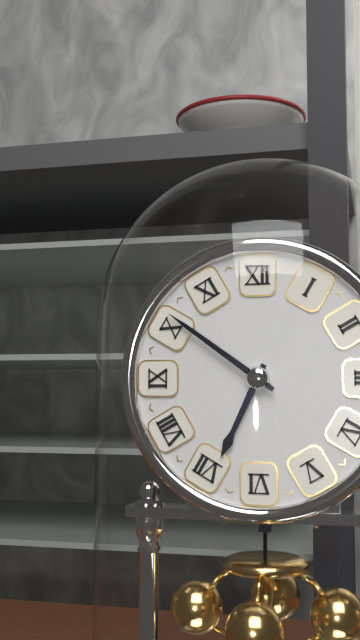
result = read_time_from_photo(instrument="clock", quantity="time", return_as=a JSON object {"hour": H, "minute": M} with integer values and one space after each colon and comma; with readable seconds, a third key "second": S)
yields {"hour": 6, "minute": 51}
